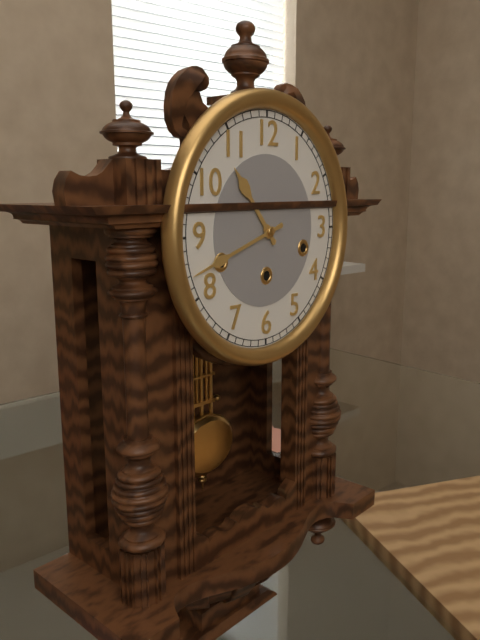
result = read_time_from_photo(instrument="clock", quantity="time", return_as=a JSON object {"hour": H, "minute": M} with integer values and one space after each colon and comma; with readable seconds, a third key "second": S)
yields {"hour": 10, "minute": 42}
